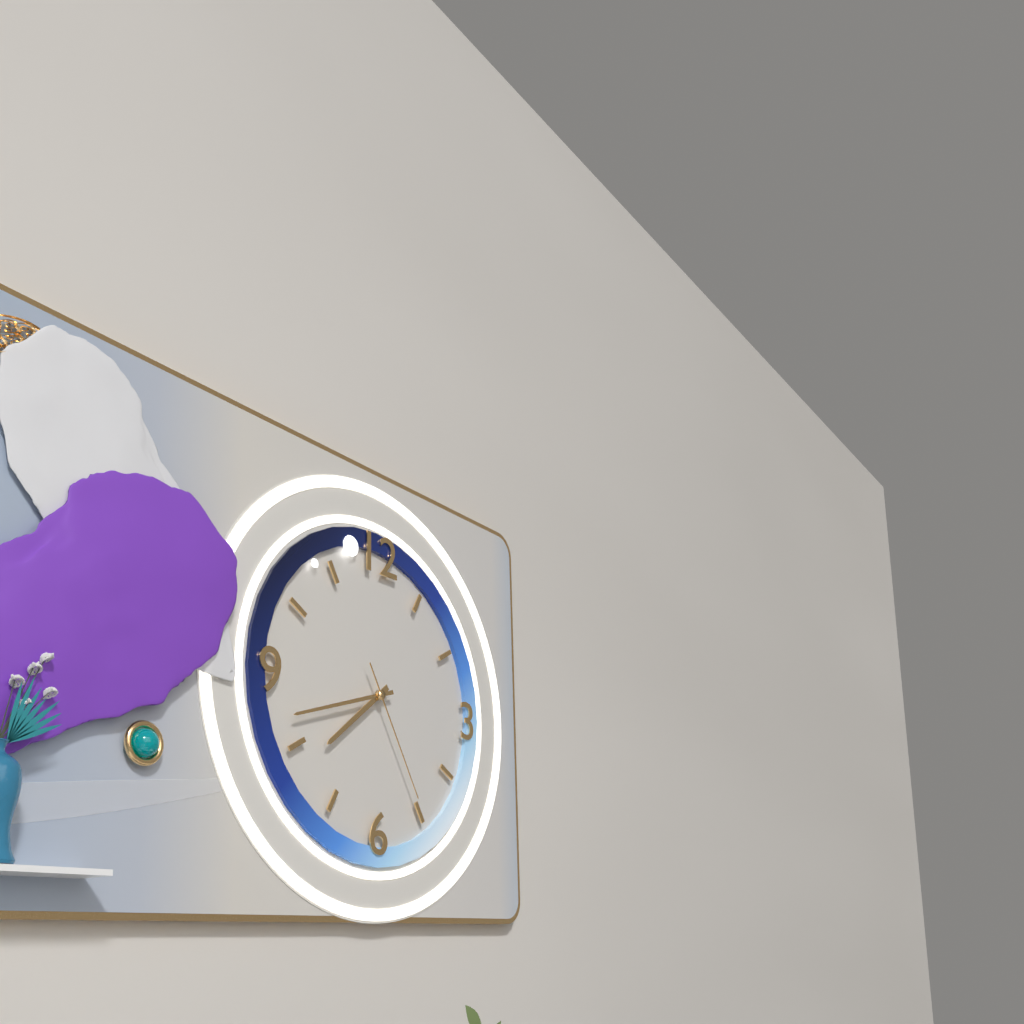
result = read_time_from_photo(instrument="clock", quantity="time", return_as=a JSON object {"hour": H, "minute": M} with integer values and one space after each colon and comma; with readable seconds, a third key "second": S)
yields {"hour": 7, "minute": 42, "second": 25}
